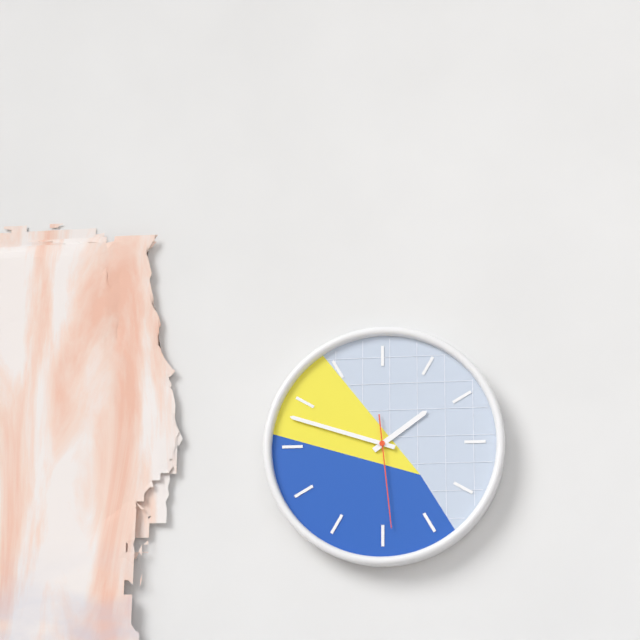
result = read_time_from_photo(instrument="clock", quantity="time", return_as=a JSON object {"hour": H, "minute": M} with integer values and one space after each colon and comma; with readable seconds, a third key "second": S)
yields {"hour": 1, "minute": 48, "second": 29}
